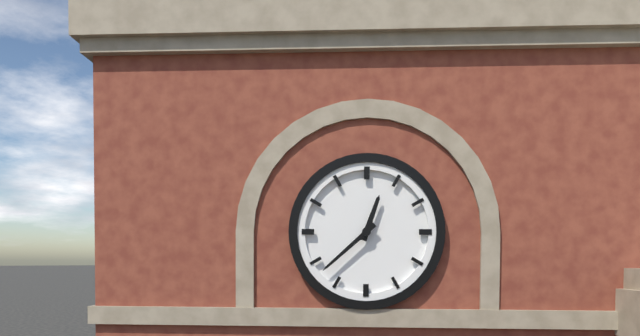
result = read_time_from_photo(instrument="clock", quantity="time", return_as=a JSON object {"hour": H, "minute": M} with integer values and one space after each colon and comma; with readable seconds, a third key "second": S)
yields {"hour": 12, "minute": 38}
